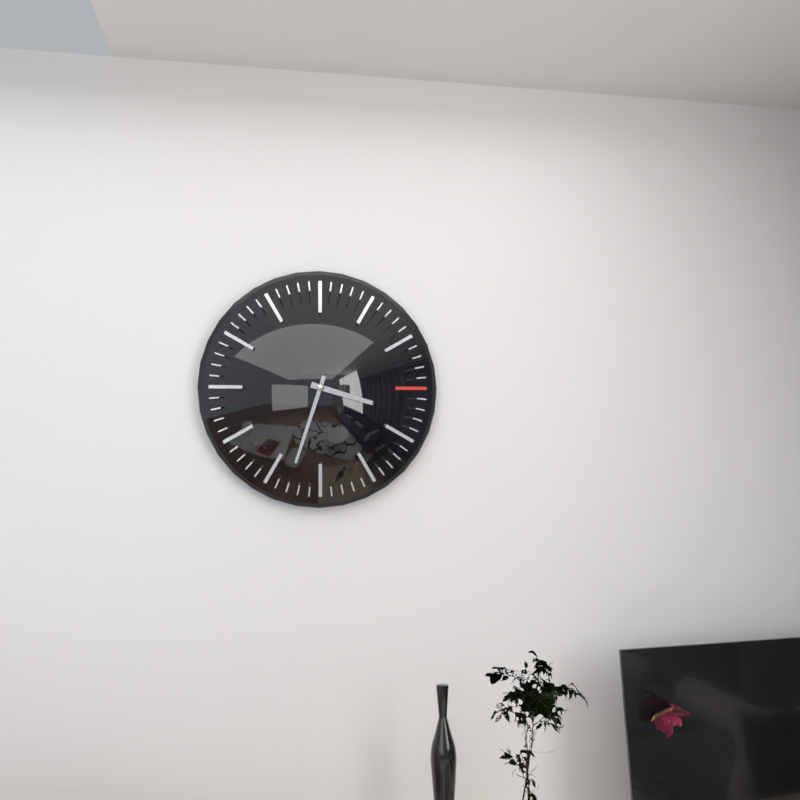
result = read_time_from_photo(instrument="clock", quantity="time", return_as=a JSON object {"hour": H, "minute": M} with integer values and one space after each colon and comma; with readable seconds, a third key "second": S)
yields {"hour": 3, "minute": 33}
